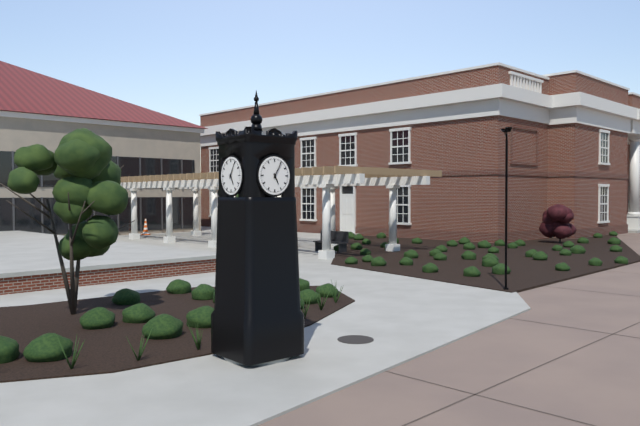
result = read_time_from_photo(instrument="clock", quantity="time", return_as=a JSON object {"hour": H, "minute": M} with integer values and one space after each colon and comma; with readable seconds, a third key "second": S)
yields {"hour": 5, "minute": 5}
